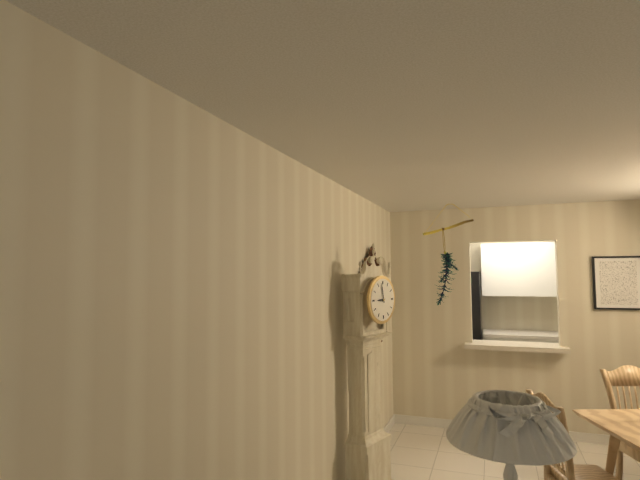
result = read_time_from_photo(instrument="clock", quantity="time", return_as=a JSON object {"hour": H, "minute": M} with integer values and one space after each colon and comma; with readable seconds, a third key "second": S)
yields {"hour": 8, "minute": 58}
